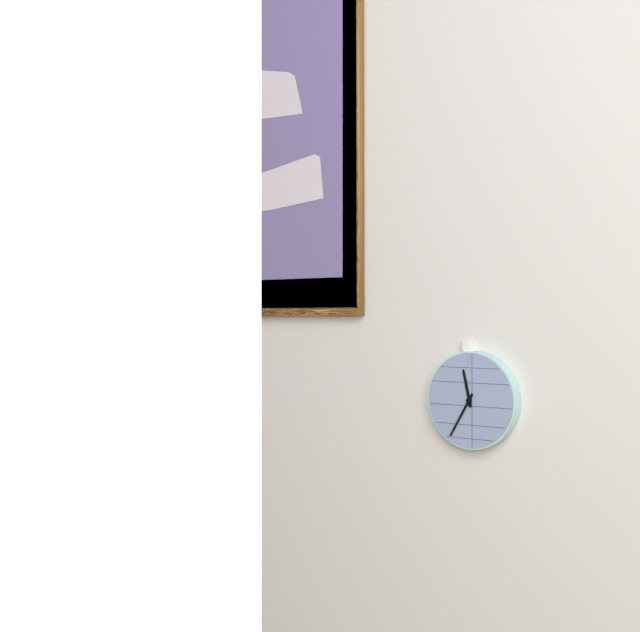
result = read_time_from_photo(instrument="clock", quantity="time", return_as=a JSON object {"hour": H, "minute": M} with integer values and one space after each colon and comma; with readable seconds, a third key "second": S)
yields {"hour": 11, "minute": 35}
